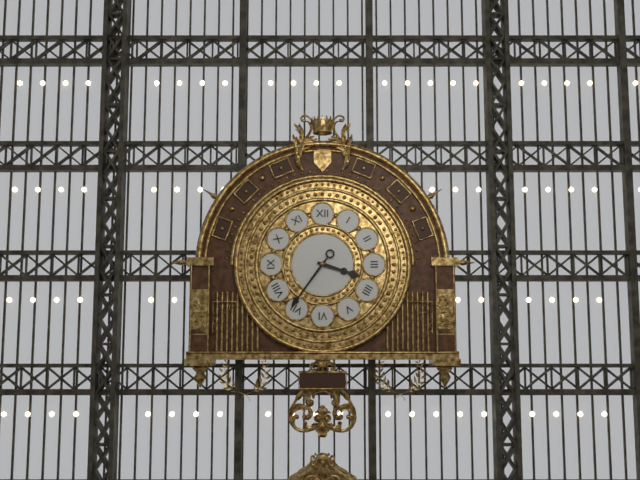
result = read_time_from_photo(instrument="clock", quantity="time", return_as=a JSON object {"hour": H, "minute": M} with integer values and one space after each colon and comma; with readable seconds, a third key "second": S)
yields {"hour": 3, "minute": 36}
